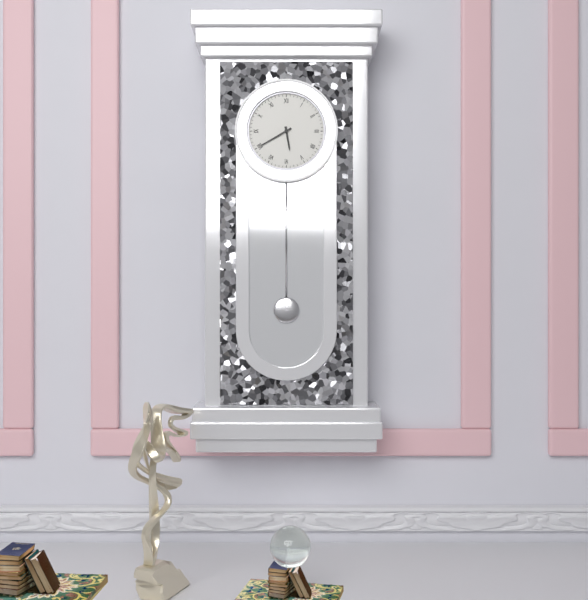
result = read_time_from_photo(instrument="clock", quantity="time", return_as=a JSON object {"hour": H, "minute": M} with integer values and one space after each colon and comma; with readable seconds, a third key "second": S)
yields {"hour": 5, "minute": 40}
